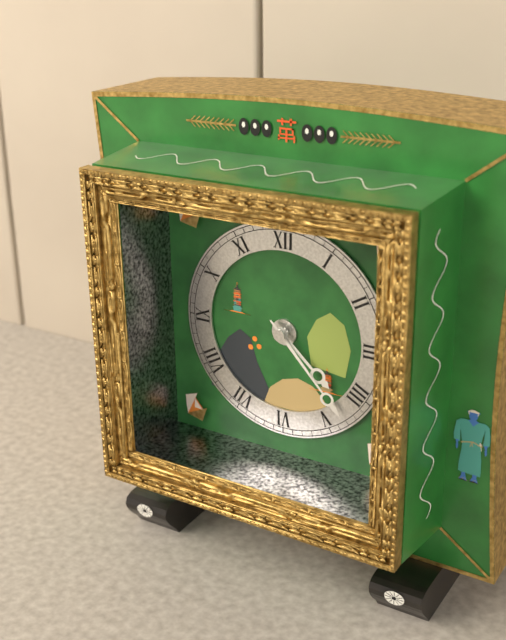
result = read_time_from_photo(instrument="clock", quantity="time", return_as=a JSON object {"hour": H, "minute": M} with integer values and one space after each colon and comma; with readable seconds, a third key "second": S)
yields {"hour": 4, "minute": 23}
